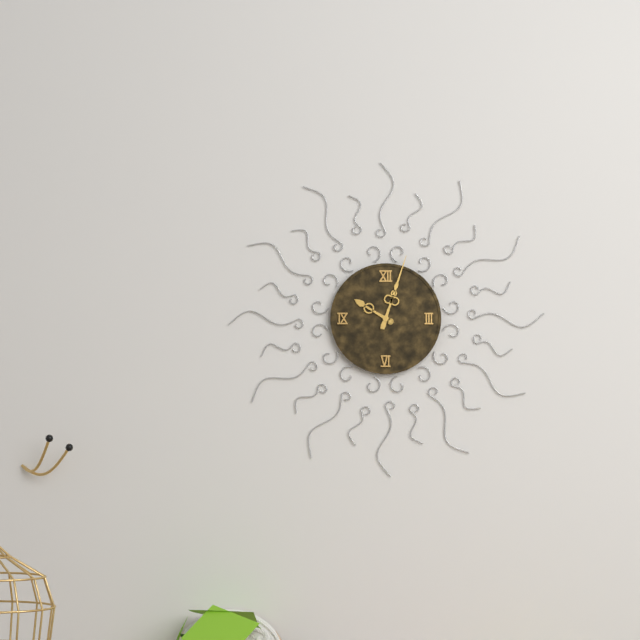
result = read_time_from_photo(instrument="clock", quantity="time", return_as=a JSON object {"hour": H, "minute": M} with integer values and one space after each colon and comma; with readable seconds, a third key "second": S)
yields {"hour": 10, "minute": 3}
